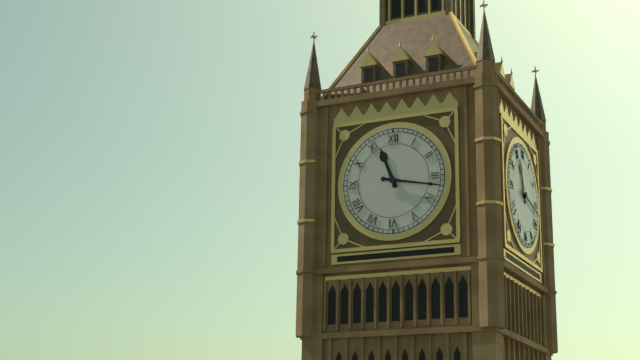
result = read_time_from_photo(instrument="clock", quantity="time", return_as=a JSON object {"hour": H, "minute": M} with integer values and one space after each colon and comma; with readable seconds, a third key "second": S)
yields {"hour": 11, "minute": 17}
